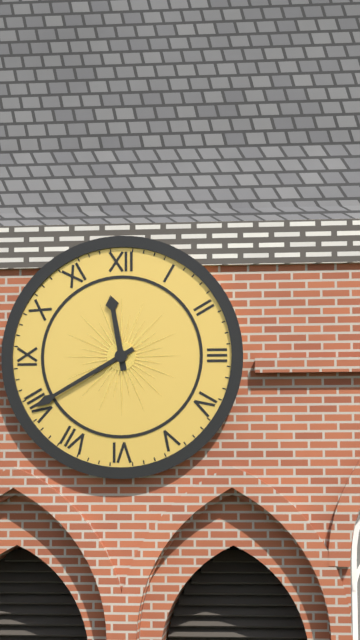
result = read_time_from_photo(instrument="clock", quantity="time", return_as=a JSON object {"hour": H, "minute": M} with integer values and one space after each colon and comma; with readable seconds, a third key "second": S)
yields {"hour": 11, "minute": 40}
